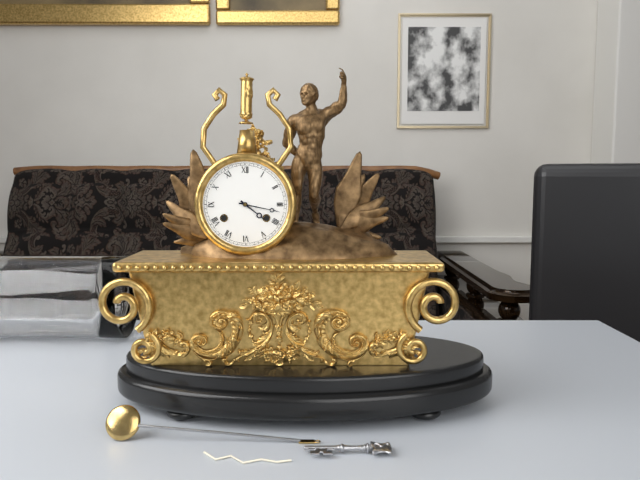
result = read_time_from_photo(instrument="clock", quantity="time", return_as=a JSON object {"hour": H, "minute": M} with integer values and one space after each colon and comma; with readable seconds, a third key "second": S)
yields {"hour": 4, "minute": 17}
